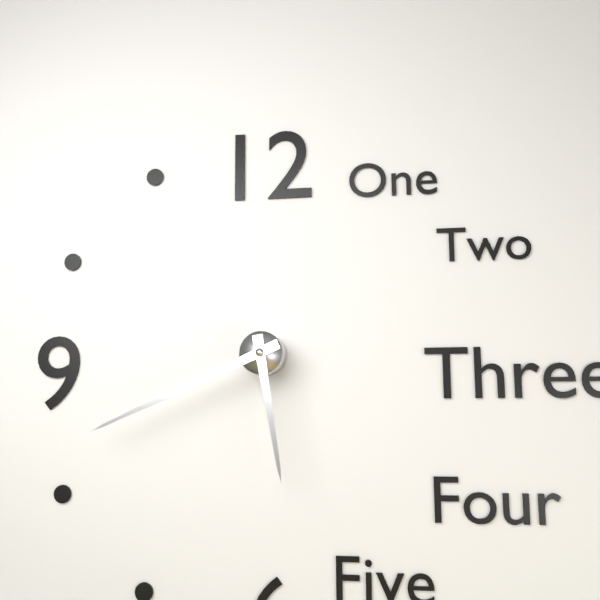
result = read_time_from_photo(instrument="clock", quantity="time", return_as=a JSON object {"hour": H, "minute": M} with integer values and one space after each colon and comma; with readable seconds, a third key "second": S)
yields {"hour": 5, "minute": 41}
